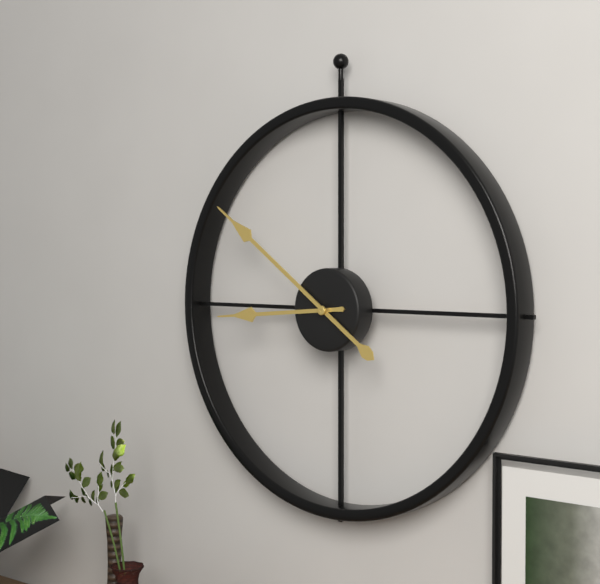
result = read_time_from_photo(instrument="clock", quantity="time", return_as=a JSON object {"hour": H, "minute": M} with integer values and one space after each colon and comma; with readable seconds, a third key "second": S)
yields {"hour": 8, "minute": 51}
